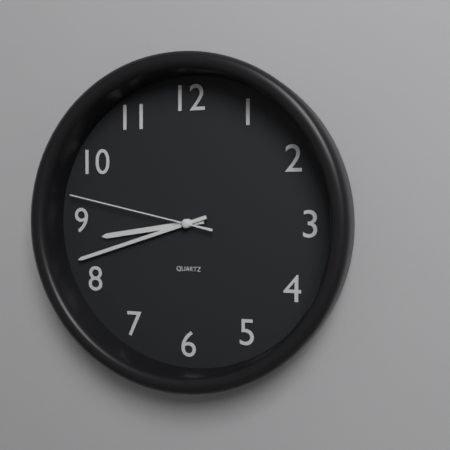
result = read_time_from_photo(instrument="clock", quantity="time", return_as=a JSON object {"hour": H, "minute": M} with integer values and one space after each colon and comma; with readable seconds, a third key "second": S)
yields {"hour": 8, "minute": 42, "second": 47}
